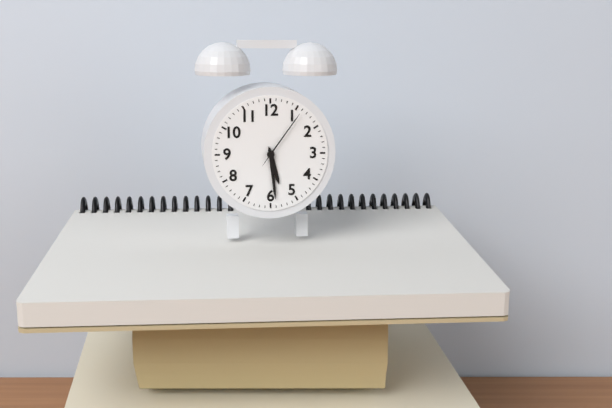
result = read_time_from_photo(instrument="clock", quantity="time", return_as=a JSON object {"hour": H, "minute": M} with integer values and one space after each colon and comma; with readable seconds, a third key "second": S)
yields {"hour": 5, "minute": 29, "second": 6}
